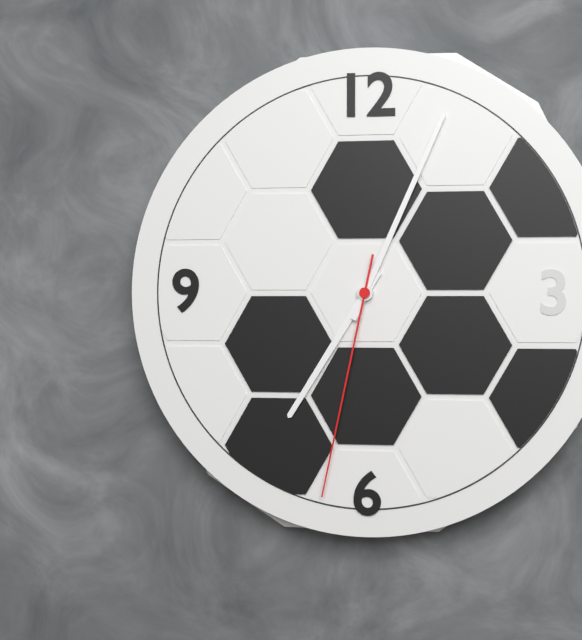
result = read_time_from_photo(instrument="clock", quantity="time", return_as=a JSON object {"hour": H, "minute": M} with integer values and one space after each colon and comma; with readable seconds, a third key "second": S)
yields {"hour": 7, "minute": 4, "second": 32}
